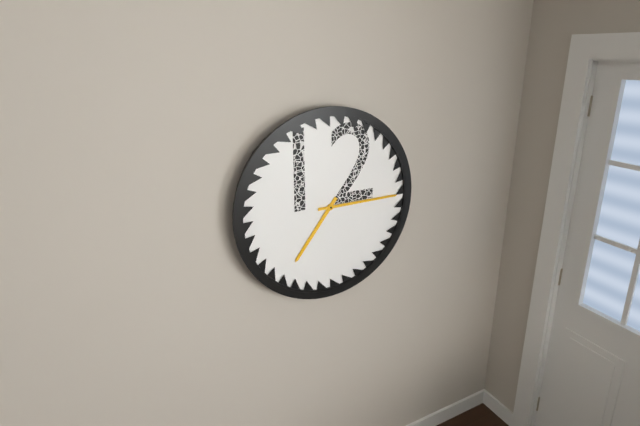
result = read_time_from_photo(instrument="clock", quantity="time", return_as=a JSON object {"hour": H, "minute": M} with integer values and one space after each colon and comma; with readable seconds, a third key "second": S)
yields {"hour": 7, "minute": 15}
